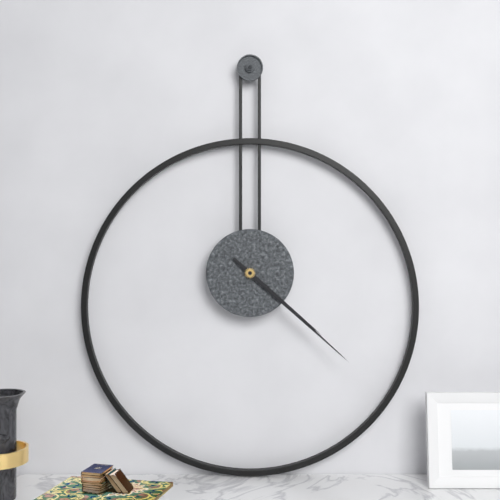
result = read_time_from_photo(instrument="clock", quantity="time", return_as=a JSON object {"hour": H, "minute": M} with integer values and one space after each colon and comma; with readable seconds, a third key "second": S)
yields {"hour": 4, "minute": 22}
